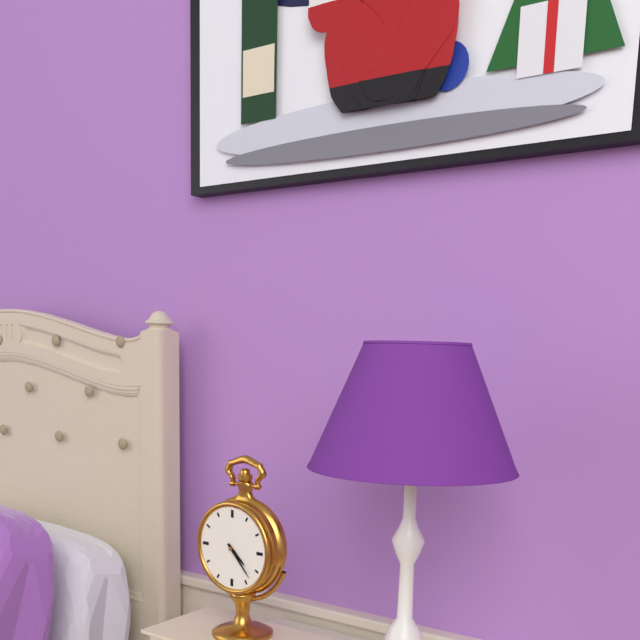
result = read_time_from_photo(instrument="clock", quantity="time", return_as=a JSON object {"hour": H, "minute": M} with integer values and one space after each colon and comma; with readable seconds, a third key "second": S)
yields {"hour": 4, "minute": 23}
